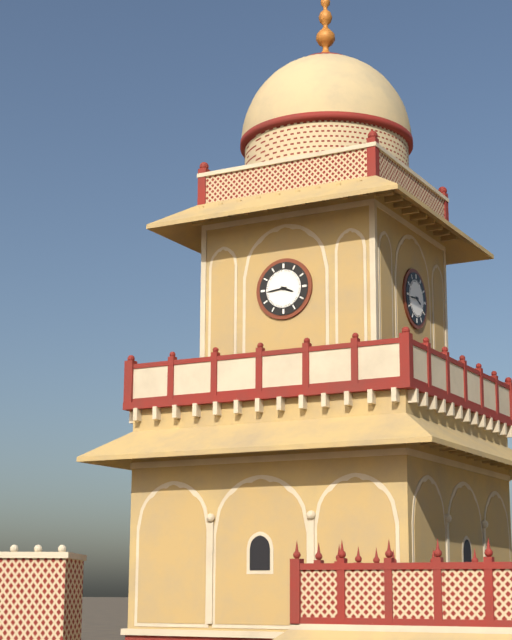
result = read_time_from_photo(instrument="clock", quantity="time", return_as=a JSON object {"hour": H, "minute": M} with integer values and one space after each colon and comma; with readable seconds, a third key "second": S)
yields {"hour": 3, "minute": 44}
